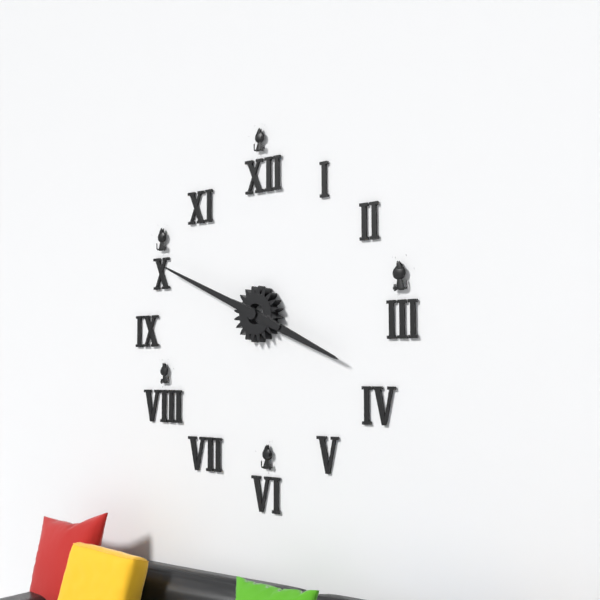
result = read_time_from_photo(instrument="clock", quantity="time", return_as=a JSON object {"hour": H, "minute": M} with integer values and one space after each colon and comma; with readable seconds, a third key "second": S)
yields {"hour": 3, "minute": 49}
